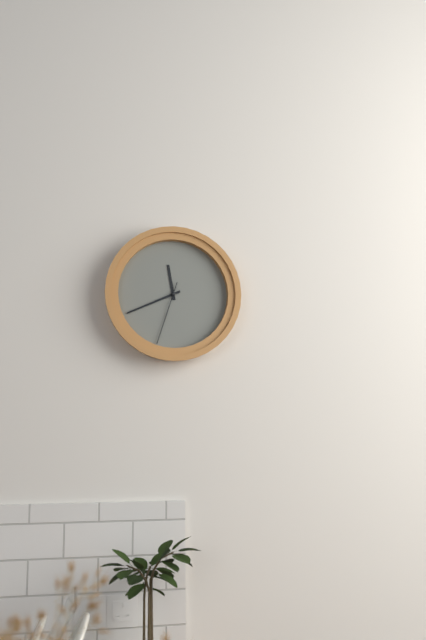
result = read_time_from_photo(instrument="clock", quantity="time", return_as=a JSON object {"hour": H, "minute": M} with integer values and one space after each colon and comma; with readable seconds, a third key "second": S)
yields {"hour": 11, "minute": 41, "second": 33}
